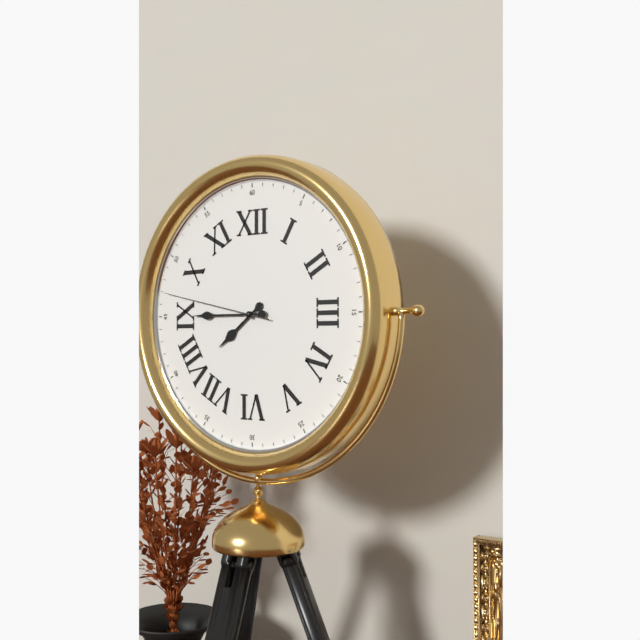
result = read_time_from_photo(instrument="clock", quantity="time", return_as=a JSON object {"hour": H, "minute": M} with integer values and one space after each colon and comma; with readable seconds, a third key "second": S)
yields {"hour": 7, "minute": 45, "second": 47}
